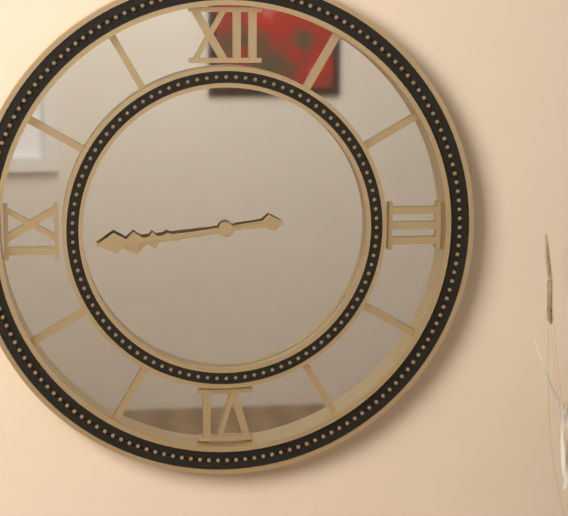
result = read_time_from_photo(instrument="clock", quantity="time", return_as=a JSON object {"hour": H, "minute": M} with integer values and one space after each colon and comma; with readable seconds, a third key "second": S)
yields {"hour": 8, "minute": 44}
